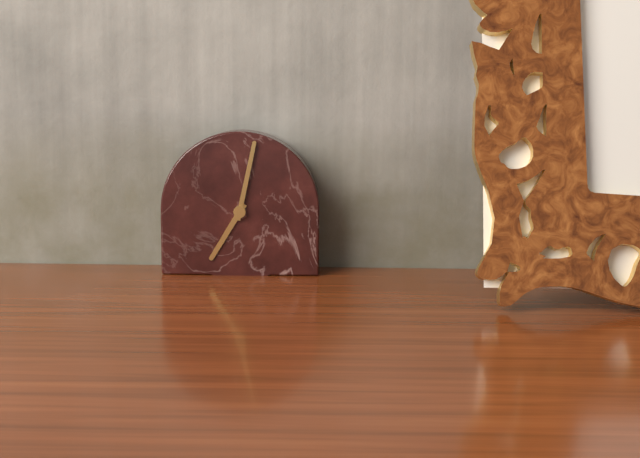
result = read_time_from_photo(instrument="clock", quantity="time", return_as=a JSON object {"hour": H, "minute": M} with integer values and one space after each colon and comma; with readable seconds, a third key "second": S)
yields {"hour": 7, "minute": 2}
